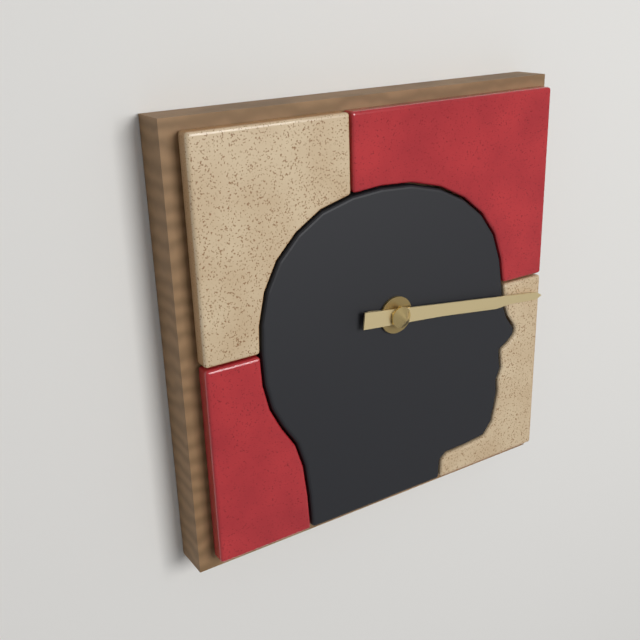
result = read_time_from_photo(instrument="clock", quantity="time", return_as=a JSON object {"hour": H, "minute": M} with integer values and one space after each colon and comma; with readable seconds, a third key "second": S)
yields {"hour": 3, "minute": 16}
